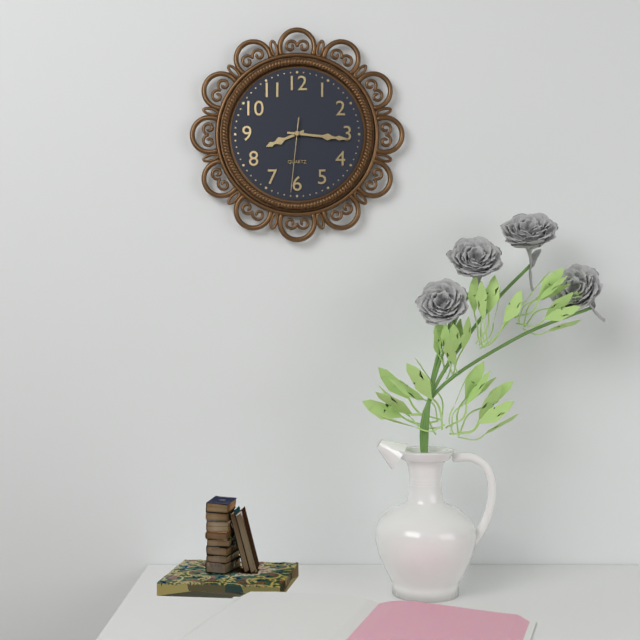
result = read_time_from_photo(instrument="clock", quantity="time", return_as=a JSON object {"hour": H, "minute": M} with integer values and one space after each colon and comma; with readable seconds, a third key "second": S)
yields {"hour": 8, "minute": 16, "second": 31}
